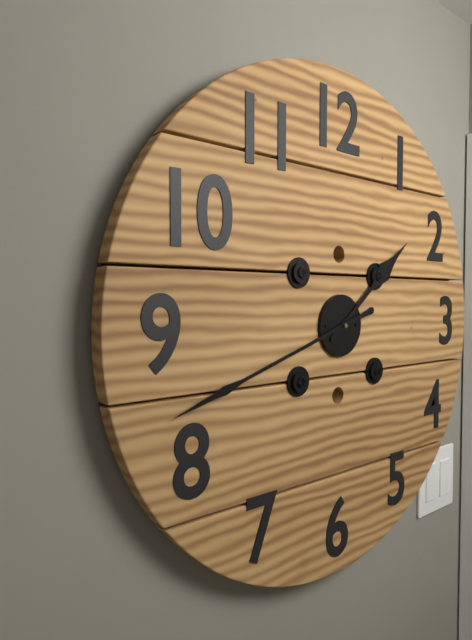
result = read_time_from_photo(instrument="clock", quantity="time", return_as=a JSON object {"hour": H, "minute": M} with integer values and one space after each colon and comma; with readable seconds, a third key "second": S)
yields {"hour": 1, "minute": 42}
